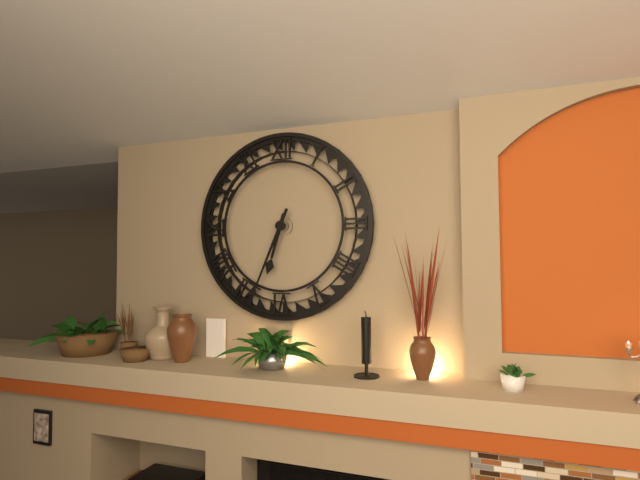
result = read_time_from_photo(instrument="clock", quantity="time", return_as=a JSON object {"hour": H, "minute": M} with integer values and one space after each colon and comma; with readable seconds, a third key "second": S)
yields {"hour": 6, "minute": 34}
